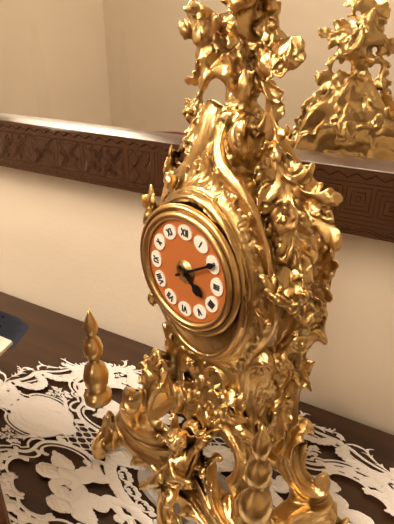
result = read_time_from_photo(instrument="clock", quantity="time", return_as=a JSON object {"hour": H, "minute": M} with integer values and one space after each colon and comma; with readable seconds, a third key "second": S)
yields {"hour": 4, "minute": 10}
